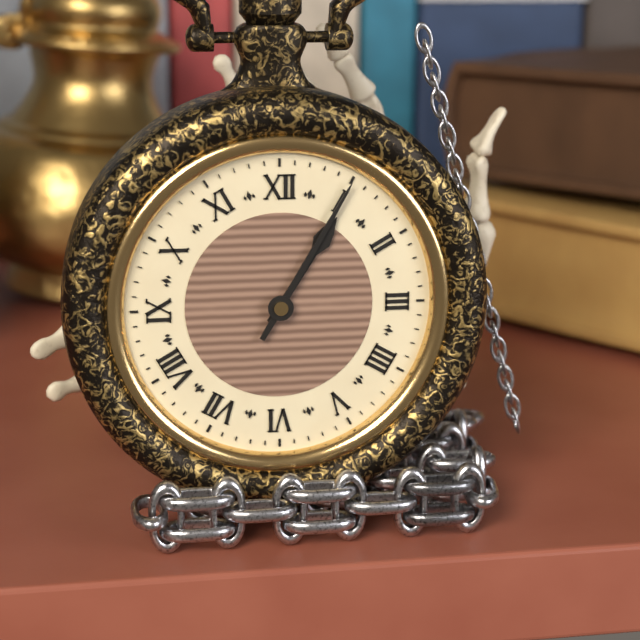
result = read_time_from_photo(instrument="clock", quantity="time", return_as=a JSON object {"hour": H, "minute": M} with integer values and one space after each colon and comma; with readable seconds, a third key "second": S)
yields {"hour": 1, "minute": 5}
